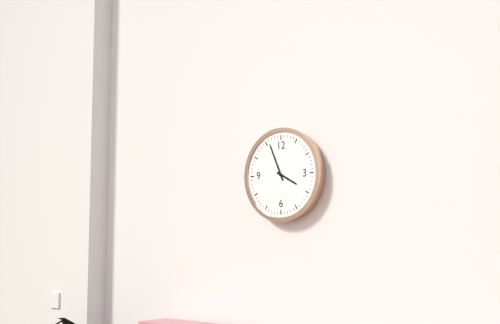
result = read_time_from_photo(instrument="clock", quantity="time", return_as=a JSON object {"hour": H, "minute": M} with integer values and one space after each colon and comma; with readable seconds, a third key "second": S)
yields {"hour": 3, "minute": 56}
